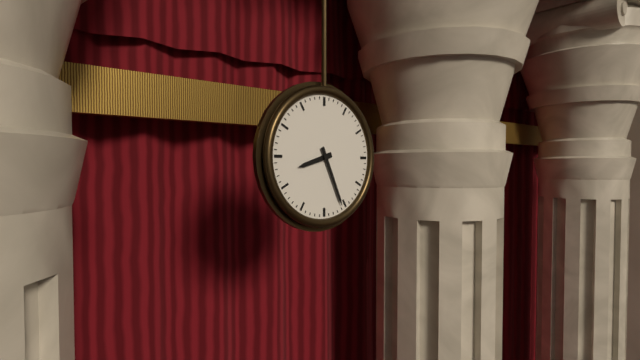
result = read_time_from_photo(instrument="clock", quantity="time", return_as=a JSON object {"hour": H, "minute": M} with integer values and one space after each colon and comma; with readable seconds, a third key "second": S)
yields {"hour": 8, "minute": 26}
